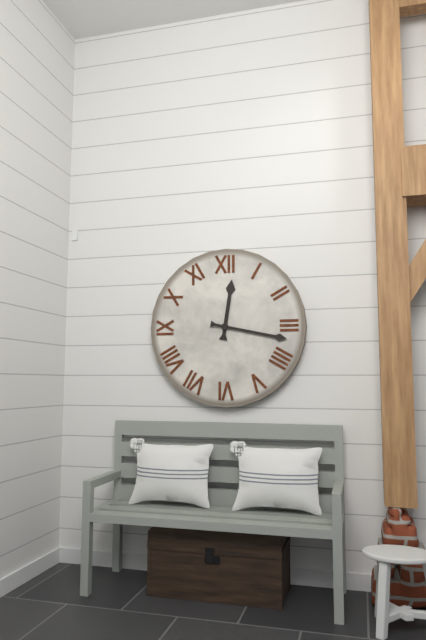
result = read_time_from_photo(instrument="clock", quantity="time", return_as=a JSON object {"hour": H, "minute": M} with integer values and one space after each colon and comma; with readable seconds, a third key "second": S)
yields {"hour": 12, "minute": 17}
